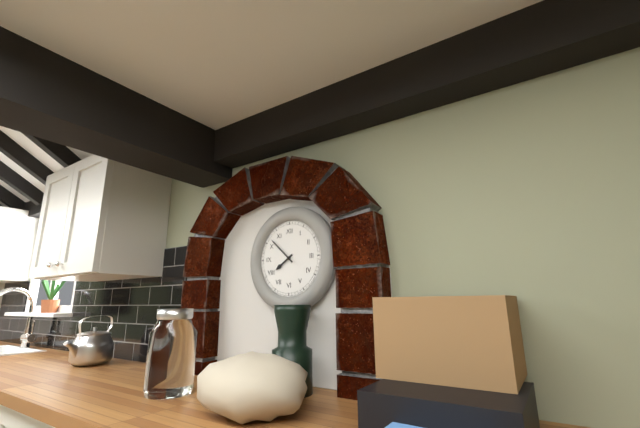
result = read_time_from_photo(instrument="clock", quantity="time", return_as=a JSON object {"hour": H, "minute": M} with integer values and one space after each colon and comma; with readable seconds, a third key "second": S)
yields {"hour": 7, "minute": 52}
